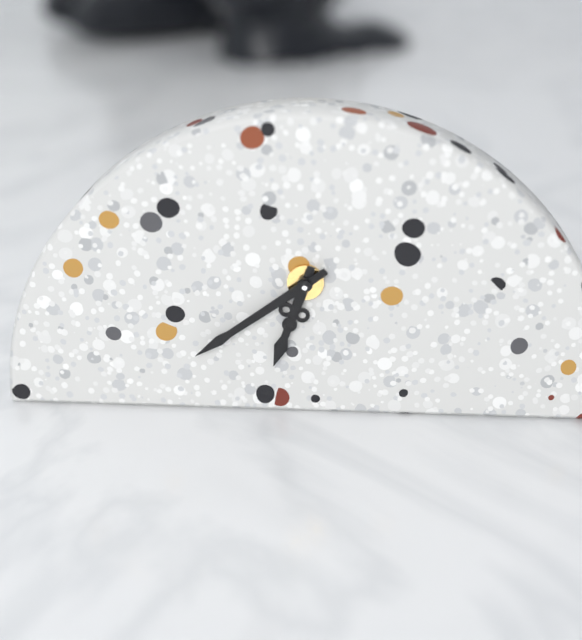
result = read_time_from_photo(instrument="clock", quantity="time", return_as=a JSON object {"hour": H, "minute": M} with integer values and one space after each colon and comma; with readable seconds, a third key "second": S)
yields {"hour": 6, "minute": 39}
